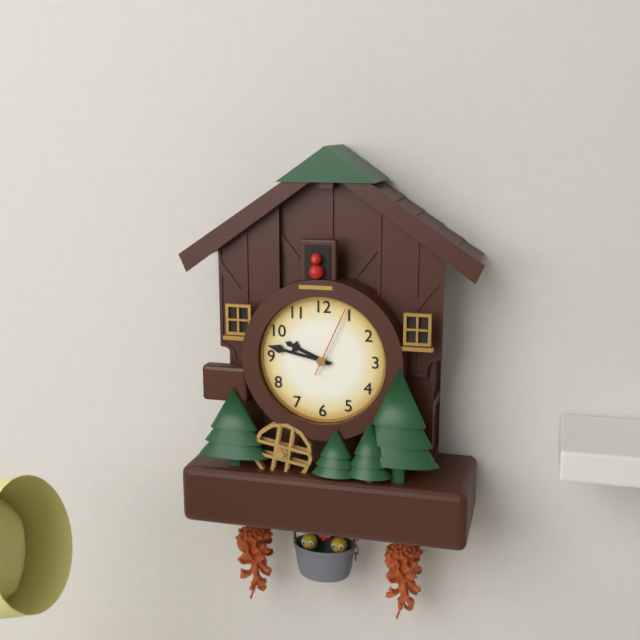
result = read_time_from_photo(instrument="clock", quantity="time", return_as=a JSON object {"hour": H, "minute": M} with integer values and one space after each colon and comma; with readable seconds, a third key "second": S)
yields {"hour": 9, "minute": 47, "second": 4}
